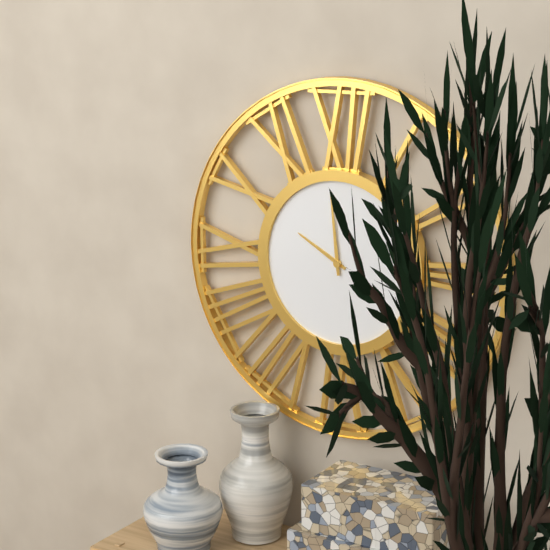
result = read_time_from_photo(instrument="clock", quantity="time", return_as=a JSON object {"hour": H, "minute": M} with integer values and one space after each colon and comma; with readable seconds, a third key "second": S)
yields {"hour": 9, "minute": 59}
